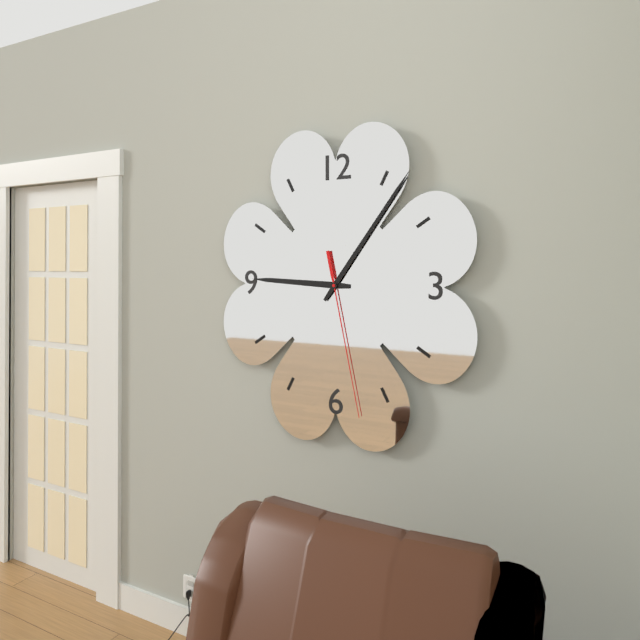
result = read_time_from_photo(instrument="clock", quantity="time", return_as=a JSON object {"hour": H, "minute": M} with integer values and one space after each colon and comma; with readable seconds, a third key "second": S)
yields {"hour": 9, "minute": 6, "second": 28}
